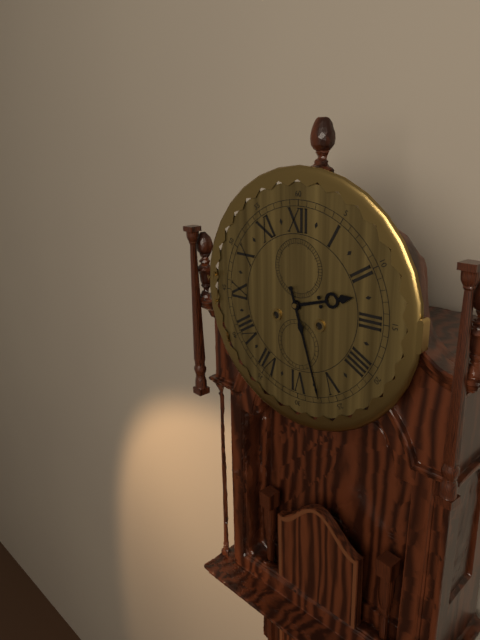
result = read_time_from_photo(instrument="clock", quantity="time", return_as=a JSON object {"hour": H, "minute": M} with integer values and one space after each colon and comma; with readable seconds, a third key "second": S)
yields {"hour": 2, "minute": 27}
